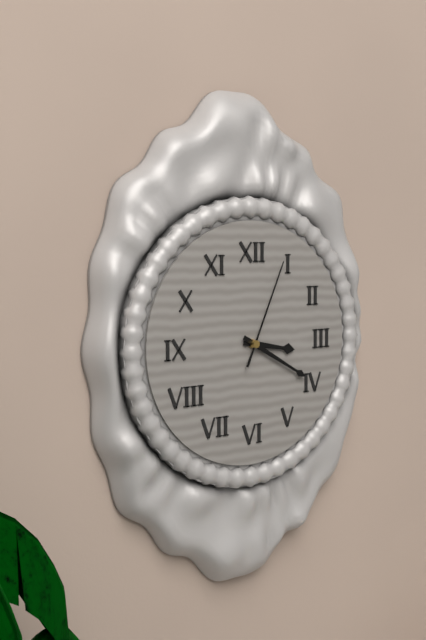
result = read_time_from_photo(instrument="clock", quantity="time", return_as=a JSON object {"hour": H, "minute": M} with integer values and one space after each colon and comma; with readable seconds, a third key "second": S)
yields {"hour": 3, "minute": 20, "second": 4}
